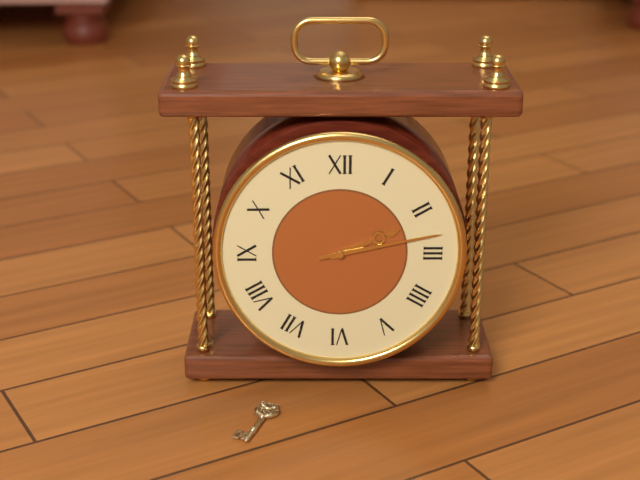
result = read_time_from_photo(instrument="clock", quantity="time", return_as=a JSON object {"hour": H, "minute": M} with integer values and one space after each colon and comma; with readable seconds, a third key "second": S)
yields {"hour": 2, "minute": 13}
